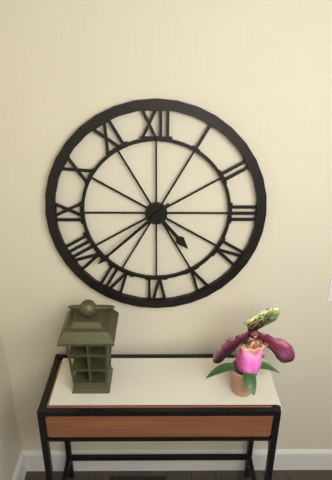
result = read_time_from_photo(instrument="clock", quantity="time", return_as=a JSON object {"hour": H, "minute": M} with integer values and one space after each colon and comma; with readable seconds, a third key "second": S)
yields {"hour": 4, "minute": 38}
